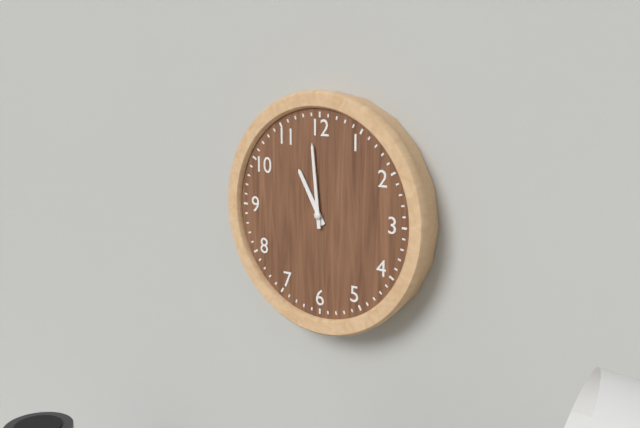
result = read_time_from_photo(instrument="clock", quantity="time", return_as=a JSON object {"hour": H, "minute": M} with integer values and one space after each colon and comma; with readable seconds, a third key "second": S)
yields {"hour": 10, "minute": 59}
